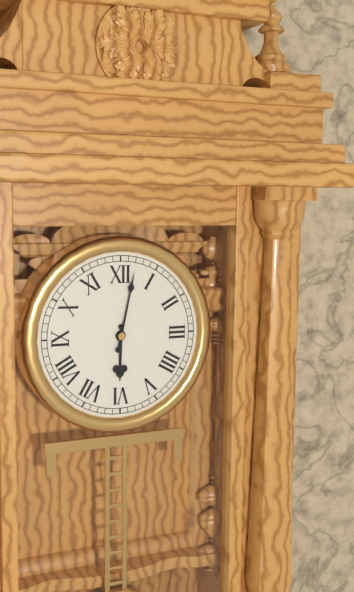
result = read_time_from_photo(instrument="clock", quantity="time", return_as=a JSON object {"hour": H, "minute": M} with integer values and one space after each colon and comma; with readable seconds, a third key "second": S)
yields {"hour": 6, "minute": 2}
